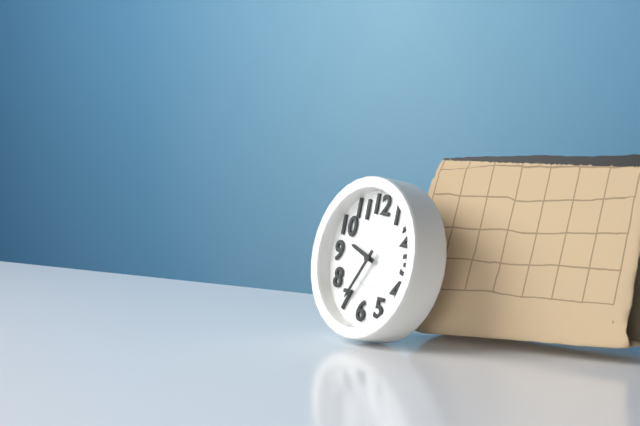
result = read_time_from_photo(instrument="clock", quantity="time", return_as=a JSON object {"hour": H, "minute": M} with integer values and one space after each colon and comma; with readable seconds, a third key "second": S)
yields {"hour": 9, "minute": 35}
